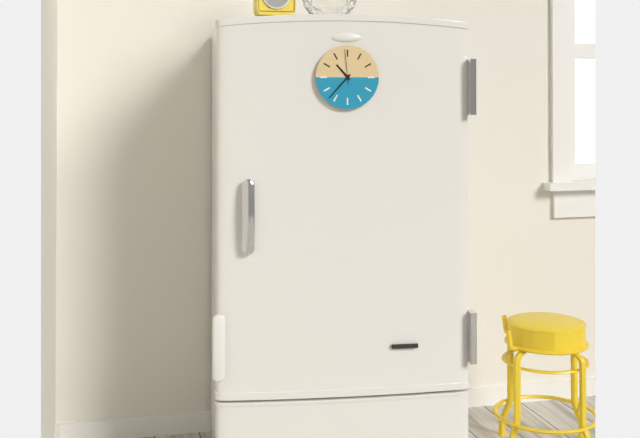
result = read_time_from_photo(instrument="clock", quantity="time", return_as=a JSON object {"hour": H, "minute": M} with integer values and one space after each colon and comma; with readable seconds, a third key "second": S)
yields {"hour": 10, "minute": 37}
